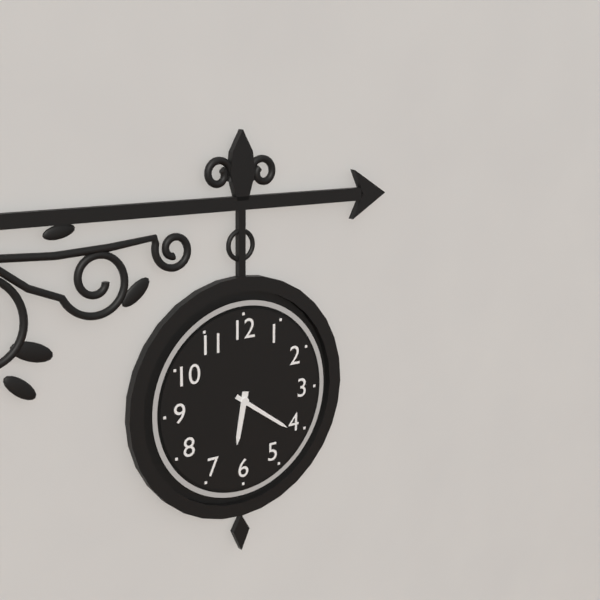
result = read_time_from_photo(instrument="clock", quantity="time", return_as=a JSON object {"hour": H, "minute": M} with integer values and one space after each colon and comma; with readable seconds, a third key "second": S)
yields {"hour": 6, "minute": 21}
